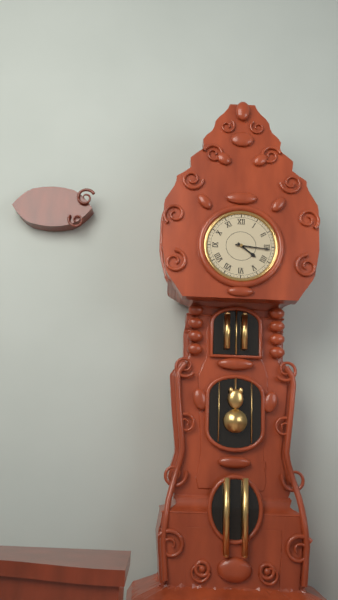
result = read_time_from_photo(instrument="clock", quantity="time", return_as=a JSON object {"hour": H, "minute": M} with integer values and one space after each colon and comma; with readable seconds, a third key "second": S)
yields {"hour": 4, "minute": 16}
